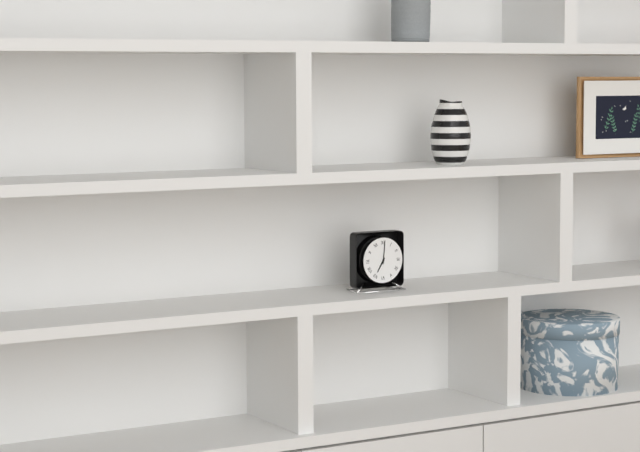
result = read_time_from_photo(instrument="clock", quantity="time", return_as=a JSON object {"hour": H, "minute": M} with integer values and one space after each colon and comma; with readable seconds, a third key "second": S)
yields {"hour": 7, "minute": 1}
